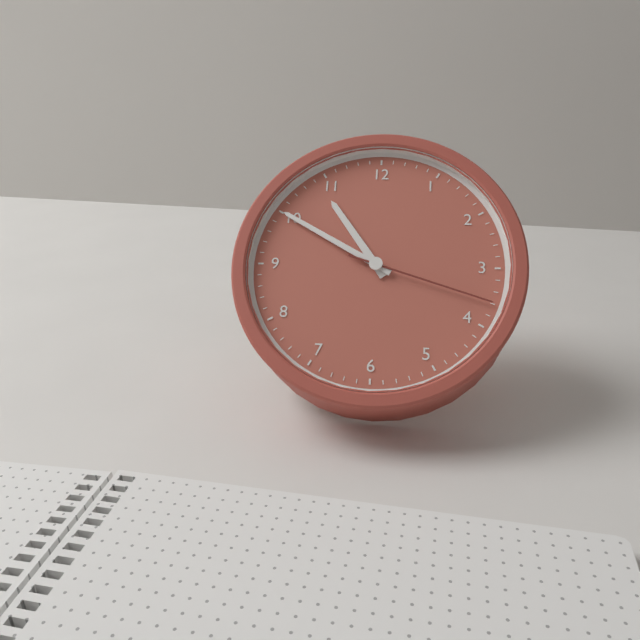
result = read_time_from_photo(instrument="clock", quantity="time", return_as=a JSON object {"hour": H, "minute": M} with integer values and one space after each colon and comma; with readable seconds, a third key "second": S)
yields {"hour": 10, "minute": 50, "second": 18}
